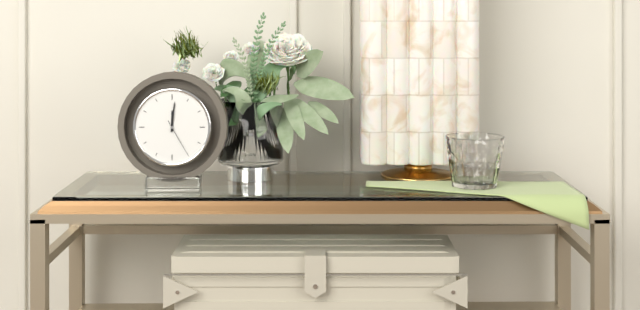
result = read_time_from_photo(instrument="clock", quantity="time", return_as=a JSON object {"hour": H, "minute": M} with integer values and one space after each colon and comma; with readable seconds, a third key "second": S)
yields {"hour": 12, "minute": 1}
